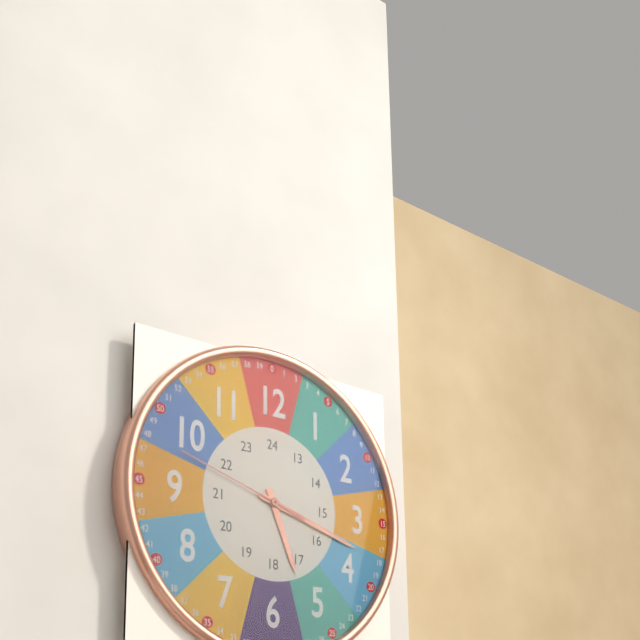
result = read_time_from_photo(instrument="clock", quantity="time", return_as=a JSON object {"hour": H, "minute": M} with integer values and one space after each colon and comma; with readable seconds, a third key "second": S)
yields {"hour": 5, "minute": 18, "second": 48}
